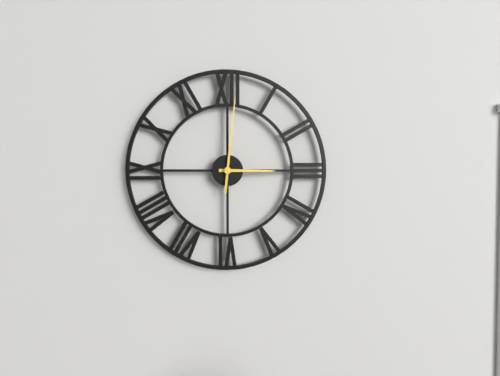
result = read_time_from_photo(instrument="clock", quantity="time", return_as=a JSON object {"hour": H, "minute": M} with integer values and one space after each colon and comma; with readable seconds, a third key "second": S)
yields {"hour": 3, "minute": 1}
